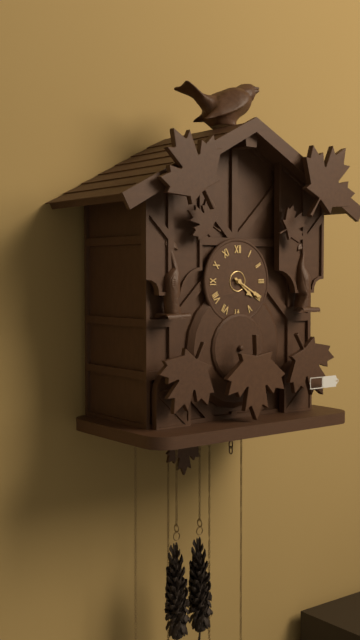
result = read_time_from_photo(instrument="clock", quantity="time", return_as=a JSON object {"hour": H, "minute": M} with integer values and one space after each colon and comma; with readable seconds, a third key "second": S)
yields {"hour": 4, "minute": 20}
